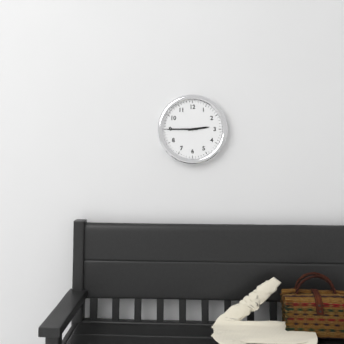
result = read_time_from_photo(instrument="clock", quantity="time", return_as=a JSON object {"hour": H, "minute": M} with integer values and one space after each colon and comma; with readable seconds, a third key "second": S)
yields {"hour": 2, "minute": 45}
